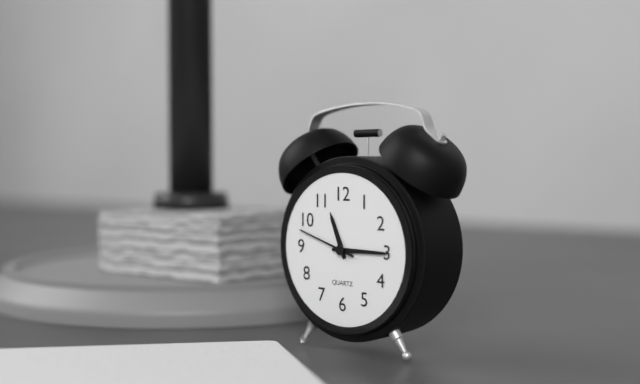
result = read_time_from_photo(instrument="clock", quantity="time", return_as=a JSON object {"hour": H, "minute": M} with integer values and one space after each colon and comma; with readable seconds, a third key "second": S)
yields {"hour": 11, "minute": 15, "second": 48}
